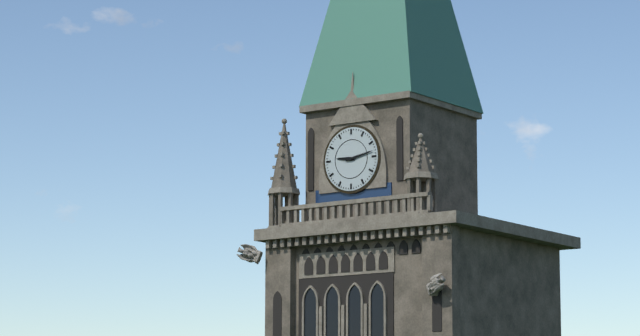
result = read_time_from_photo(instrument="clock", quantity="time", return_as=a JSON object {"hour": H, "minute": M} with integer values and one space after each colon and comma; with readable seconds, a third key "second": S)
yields {"hour": 9, "minute": 13}
